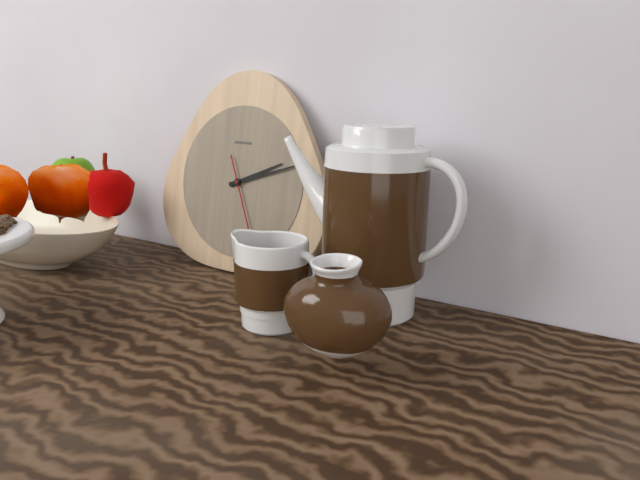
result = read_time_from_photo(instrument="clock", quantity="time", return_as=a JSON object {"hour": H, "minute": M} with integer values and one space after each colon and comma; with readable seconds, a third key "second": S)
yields {"hour": 2, "minute": 12}
